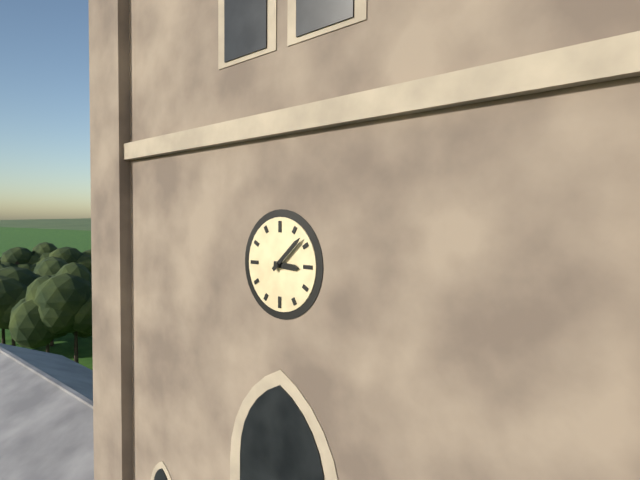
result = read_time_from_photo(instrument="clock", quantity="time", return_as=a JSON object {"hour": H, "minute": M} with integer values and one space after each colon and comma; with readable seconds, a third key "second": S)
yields {"hour": 3, "minute": 8}
